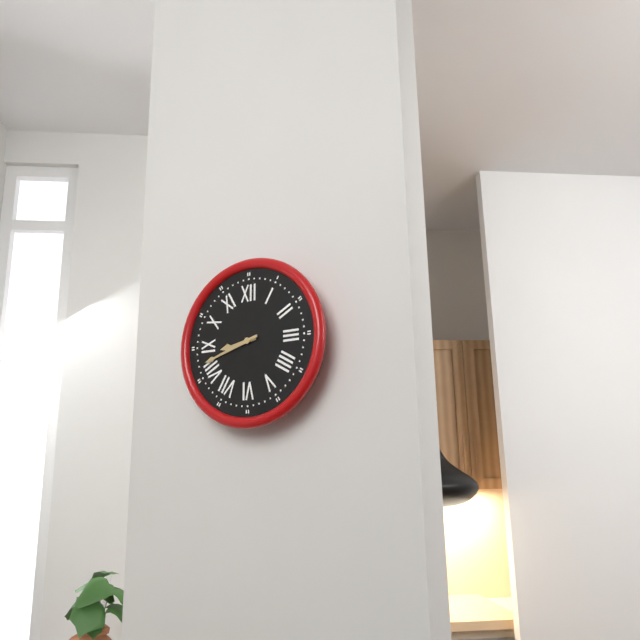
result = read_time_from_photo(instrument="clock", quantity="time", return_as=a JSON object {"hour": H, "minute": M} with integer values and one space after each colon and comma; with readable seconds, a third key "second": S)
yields {"hour": 8, "minute": 42}
